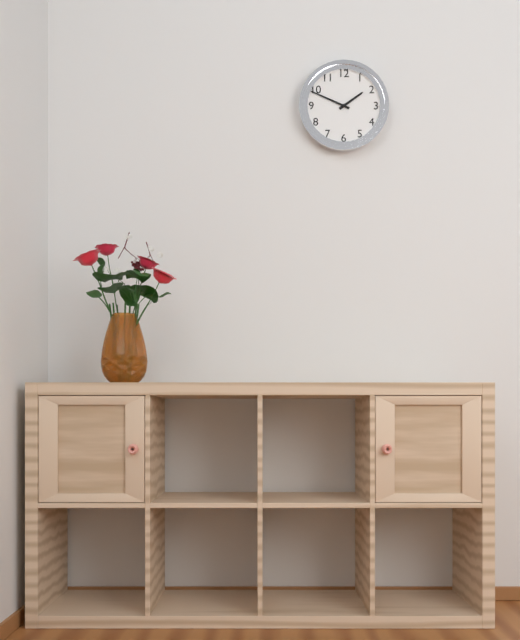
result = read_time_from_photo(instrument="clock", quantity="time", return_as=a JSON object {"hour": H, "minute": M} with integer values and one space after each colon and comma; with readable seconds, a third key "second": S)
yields {"hour": 1, "minute": 49}
